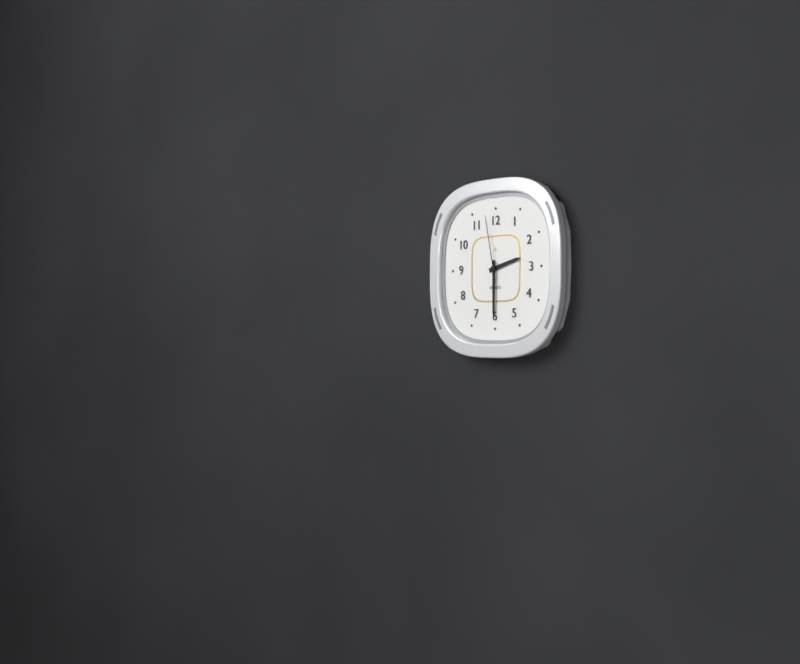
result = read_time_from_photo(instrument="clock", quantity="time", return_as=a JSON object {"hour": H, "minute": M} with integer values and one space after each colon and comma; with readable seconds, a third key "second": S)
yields {"hour": 2, "minute": 30, "second": 58}
